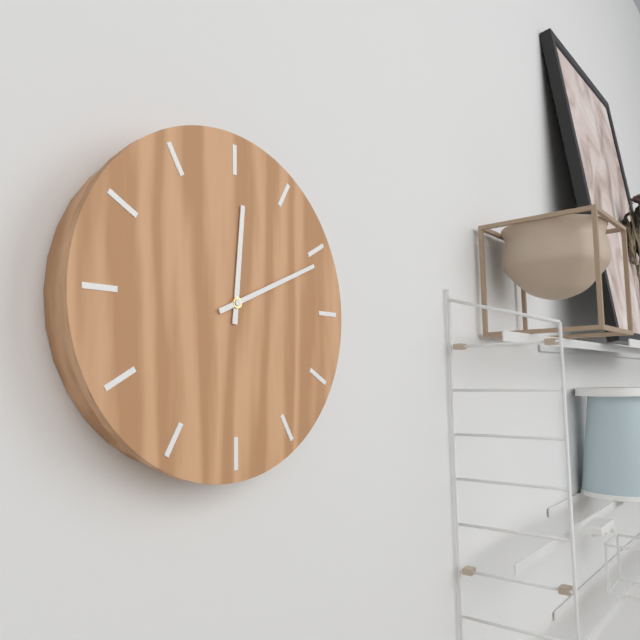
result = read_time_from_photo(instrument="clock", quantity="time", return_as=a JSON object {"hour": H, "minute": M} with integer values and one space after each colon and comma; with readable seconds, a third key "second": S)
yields {"hour": 12, "minute": 11}
